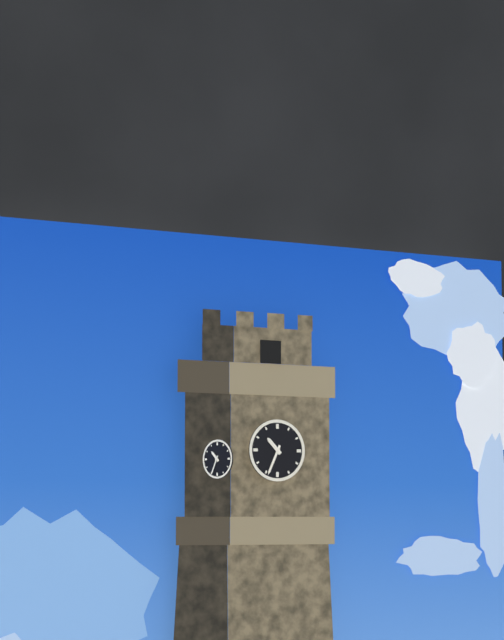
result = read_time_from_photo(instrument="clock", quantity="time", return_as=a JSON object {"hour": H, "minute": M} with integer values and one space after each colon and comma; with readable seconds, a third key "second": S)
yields {"hour": 10, "minute": 34}
